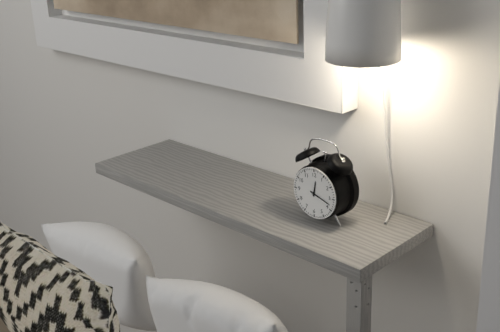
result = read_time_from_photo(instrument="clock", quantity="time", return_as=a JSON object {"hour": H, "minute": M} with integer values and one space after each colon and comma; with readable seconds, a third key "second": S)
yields {"hour": 12, "minute": 18}
